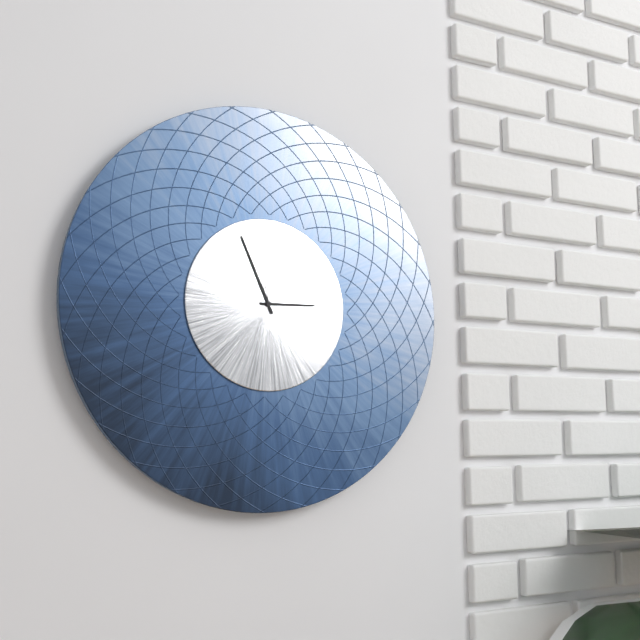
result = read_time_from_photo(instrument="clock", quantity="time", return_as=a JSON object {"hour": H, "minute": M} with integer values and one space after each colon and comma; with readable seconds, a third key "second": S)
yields {"hour": 2, "minute": 56}
